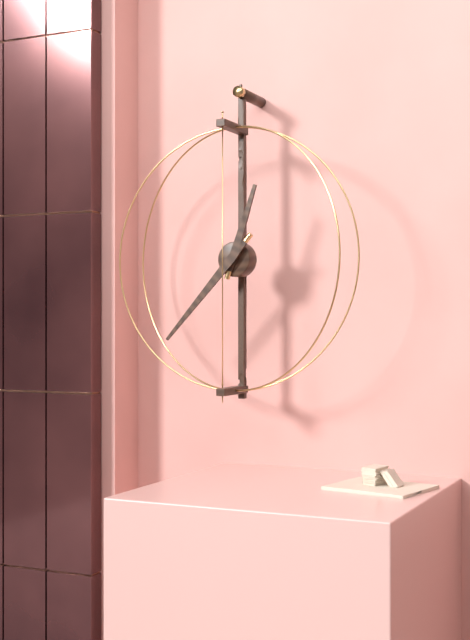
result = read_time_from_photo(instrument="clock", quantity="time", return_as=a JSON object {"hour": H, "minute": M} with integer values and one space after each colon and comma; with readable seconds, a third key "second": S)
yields {"hour": 12, "minute": 37}
